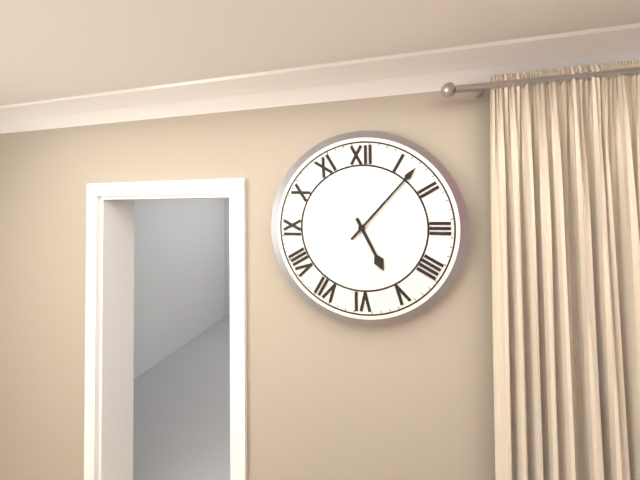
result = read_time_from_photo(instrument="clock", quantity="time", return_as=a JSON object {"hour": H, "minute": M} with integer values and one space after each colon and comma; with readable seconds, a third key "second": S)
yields {"hour": 5, "minute": 7}
